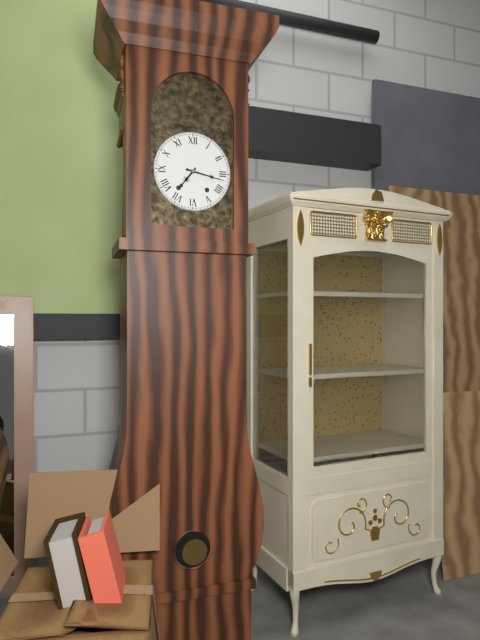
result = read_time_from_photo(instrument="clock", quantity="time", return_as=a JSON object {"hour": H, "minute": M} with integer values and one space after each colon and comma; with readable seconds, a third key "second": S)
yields {"hour": 7, "minute": 17}
